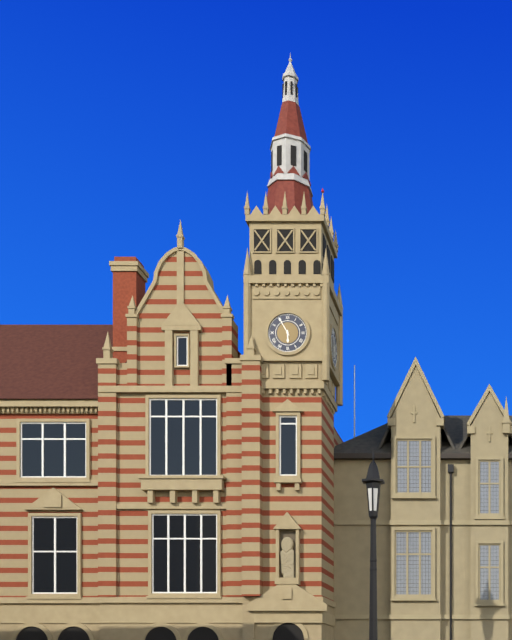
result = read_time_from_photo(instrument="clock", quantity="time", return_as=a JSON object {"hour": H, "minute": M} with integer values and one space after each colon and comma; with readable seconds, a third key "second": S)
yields {"hour": 5, "minute": 55}
